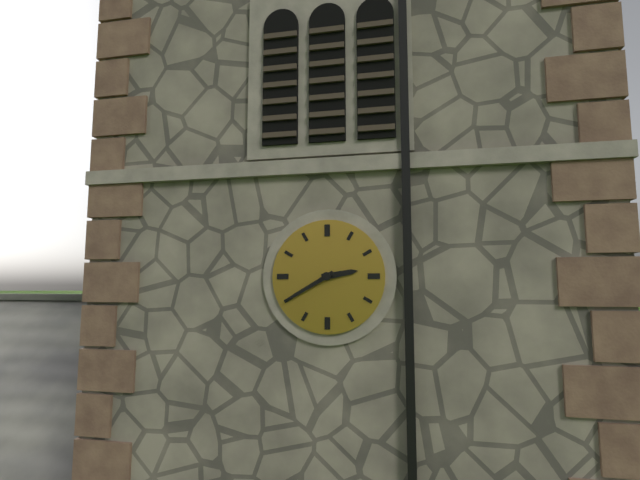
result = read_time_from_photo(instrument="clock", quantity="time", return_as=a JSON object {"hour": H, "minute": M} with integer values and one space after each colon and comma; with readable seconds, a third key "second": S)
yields {"hour": 2, "minute": 40}
